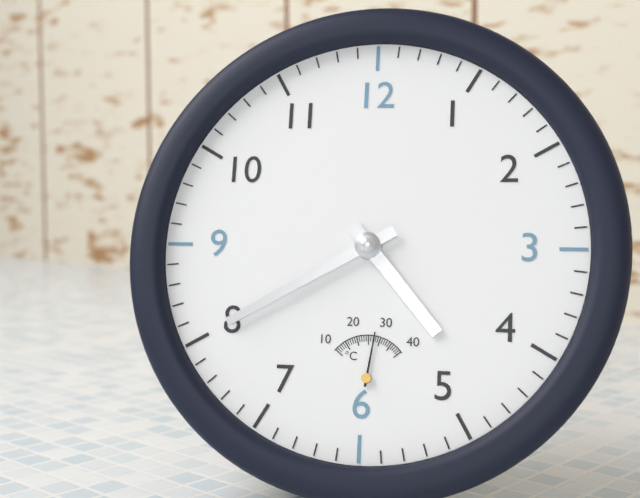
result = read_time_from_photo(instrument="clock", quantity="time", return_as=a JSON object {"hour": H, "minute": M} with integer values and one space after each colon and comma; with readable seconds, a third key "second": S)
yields {"hour": 4, "minute": 40}
